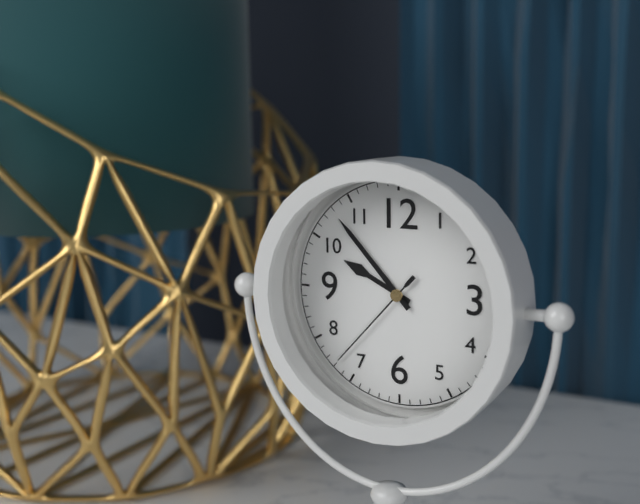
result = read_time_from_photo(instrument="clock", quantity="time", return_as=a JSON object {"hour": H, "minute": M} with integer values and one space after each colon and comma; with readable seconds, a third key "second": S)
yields {"hour": 9, "minute": 53, "second": 37}
